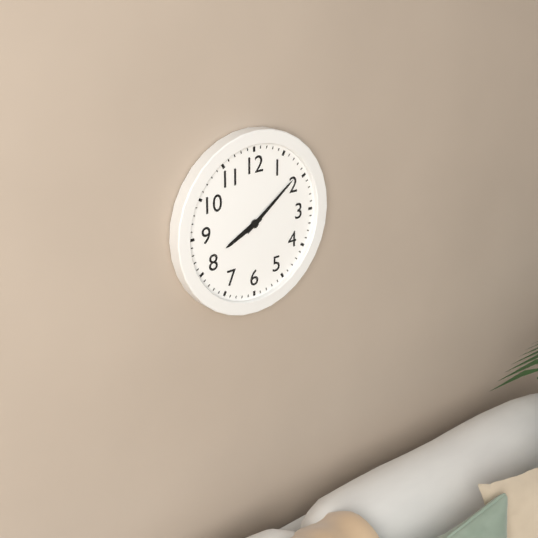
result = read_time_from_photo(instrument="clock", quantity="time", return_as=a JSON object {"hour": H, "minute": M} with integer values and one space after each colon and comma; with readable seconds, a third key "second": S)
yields {"hour": 8, "minute": 9}
